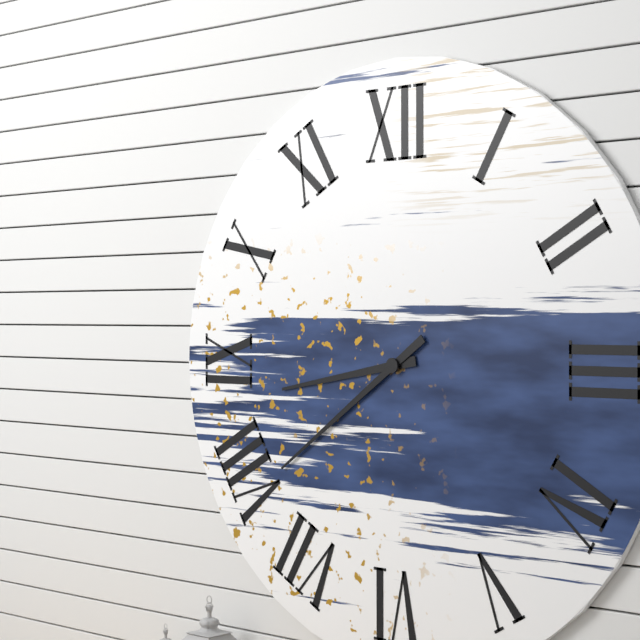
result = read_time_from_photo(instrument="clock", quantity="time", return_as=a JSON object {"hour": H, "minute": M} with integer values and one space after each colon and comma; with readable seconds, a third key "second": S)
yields {"hour": 8, "minute": 39}
